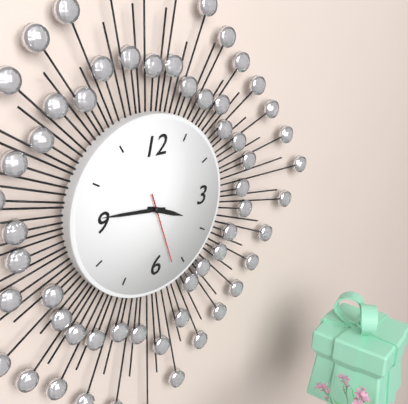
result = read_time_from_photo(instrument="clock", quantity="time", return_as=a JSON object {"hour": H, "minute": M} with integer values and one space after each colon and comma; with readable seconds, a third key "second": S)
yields {"hour": 3, "minute": 46, "second": 27}
